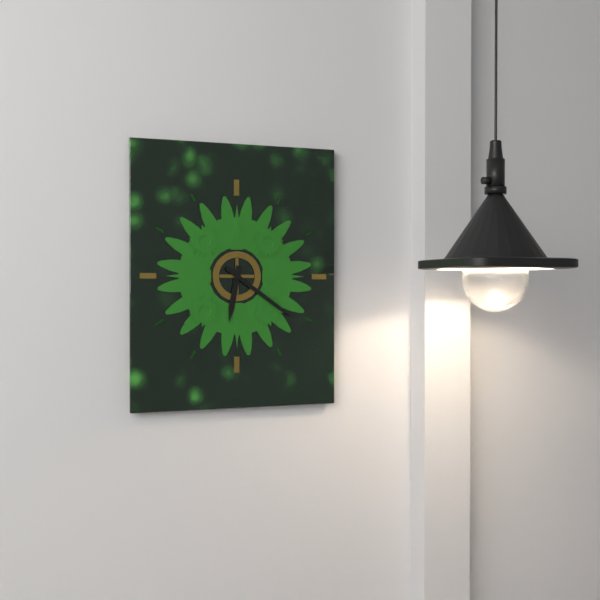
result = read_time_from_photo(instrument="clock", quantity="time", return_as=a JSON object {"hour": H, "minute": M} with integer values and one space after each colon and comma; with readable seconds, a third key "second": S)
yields {"hour": 6, "minute": 21}
